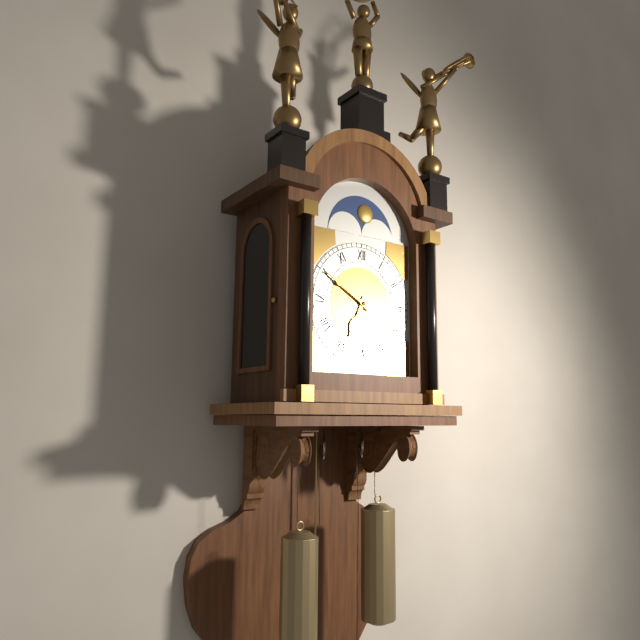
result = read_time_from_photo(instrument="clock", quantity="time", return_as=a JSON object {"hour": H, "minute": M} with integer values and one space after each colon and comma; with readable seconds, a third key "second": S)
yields {"hour": 6, "minute": 50}
